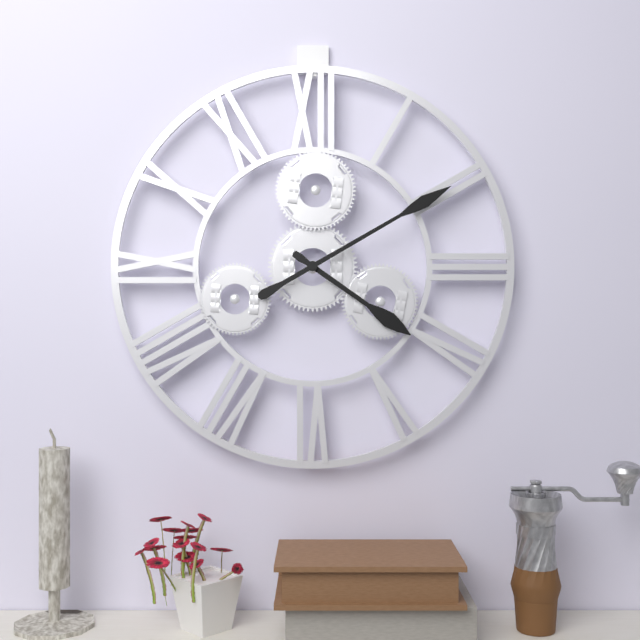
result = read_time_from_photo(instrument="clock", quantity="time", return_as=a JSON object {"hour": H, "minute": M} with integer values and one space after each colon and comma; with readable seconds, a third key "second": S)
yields {"hour": 4, "minute": 10}
